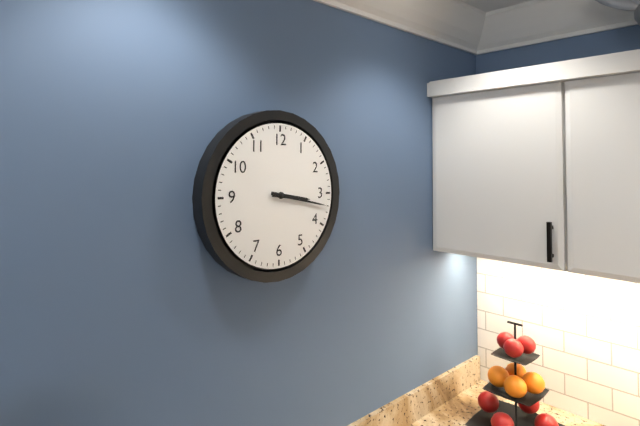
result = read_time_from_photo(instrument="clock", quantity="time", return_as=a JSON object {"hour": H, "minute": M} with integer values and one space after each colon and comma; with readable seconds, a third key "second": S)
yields {"hour": 3, "minute": 17}
